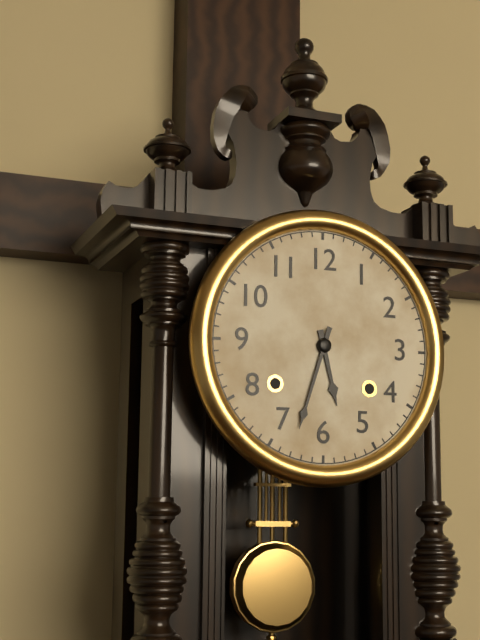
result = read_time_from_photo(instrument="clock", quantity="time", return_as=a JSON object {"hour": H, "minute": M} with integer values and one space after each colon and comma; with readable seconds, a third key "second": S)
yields {"hour": 5, "minute": 33}
